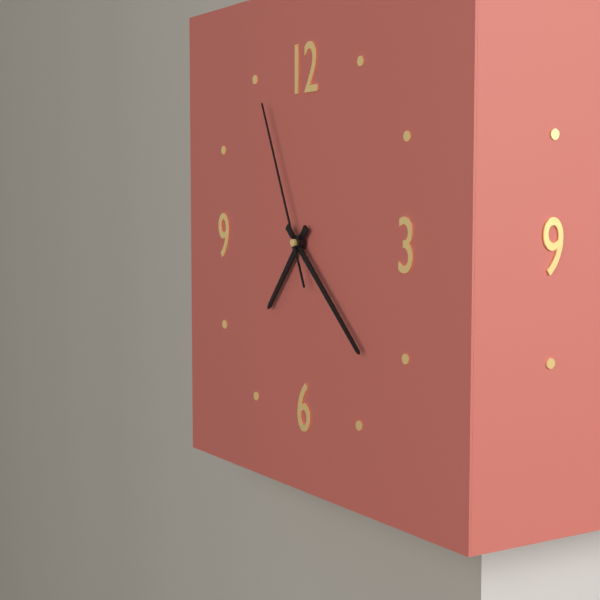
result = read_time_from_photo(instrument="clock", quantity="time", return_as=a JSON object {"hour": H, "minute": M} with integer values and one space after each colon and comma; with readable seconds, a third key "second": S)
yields {"hour": 7, "minute": 22, "second": 56}
